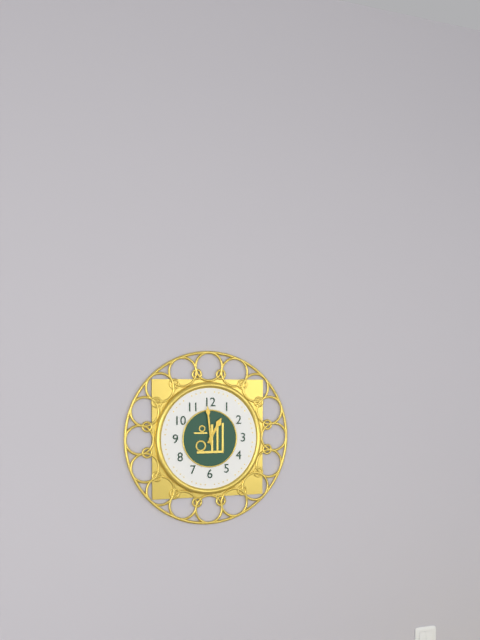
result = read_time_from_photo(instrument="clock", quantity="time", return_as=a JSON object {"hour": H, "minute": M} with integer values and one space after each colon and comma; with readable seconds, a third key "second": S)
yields {"hour": 12, "minute": 59}
